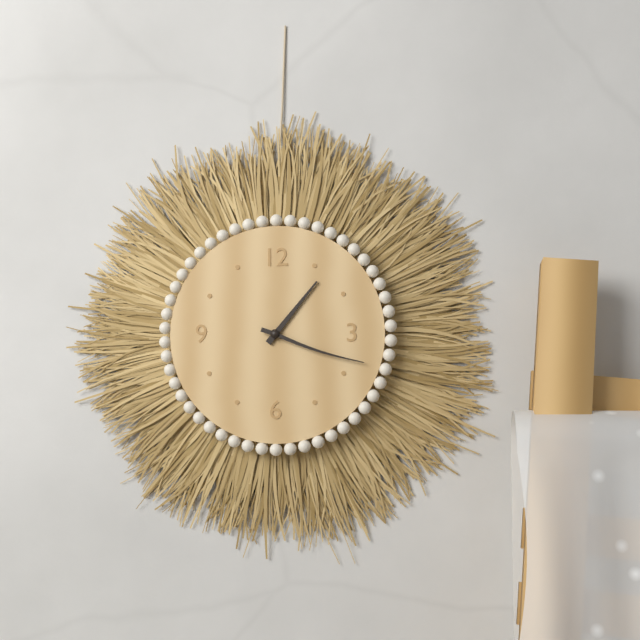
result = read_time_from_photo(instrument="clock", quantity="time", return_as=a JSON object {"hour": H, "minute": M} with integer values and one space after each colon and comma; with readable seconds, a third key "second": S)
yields {"hour": 1, "minute": 18}
